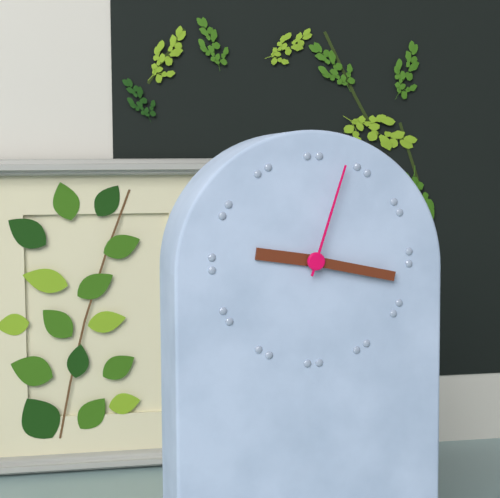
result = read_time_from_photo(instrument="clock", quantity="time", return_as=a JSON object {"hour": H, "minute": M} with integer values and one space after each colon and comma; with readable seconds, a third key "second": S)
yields {"hour": 9, "minute": 17, "second": 3}
